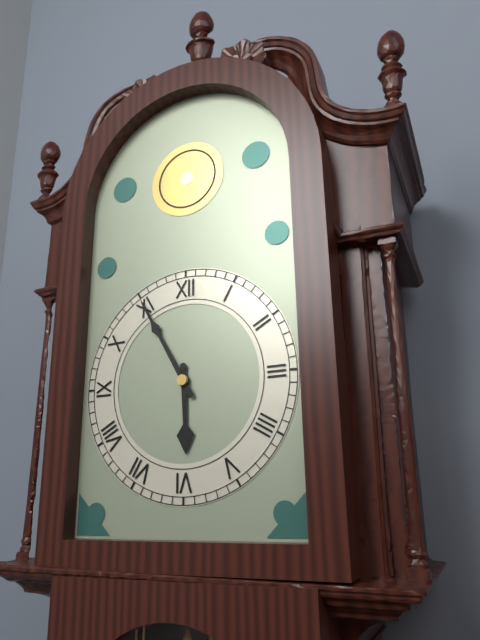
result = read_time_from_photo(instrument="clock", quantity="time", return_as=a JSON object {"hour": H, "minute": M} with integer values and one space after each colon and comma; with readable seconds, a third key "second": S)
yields {"hour": 5, "minute": 55}
